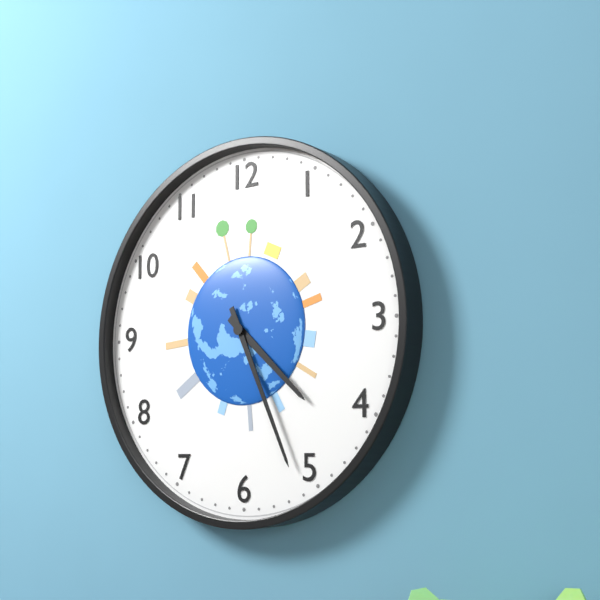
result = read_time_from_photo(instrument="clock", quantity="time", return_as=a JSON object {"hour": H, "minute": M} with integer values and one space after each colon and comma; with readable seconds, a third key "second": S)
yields {"hour": 4, "minute": 26}
